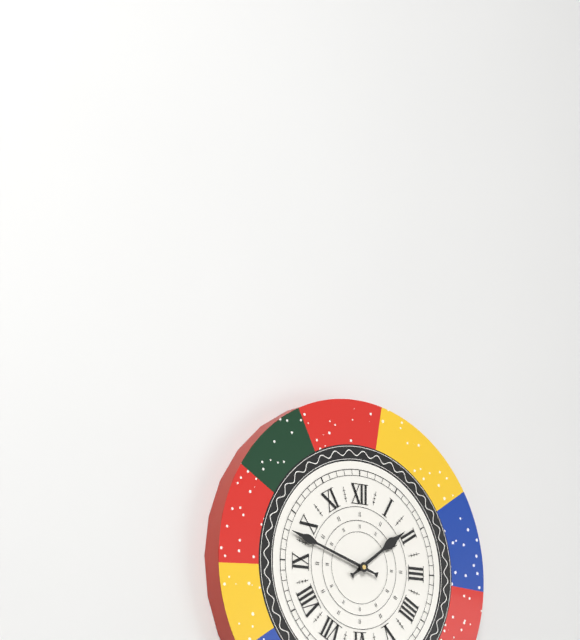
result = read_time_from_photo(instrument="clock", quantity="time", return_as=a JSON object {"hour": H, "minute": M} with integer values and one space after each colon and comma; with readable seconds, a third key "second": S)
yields {"hour": 1, "minute": 48}
